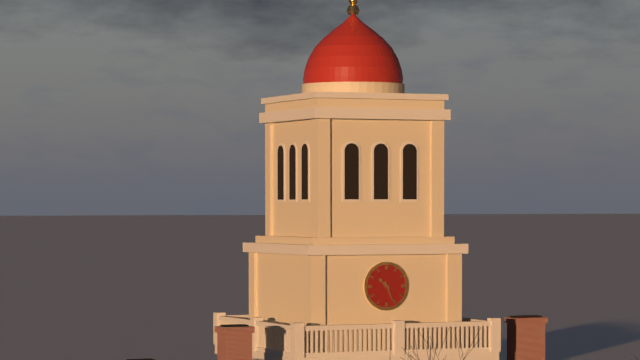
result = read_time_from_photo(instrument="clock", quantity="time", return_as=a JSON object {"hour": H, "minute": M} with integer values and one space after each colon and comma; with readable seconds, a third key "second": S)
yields {"hour": 10, "minute": 26}
